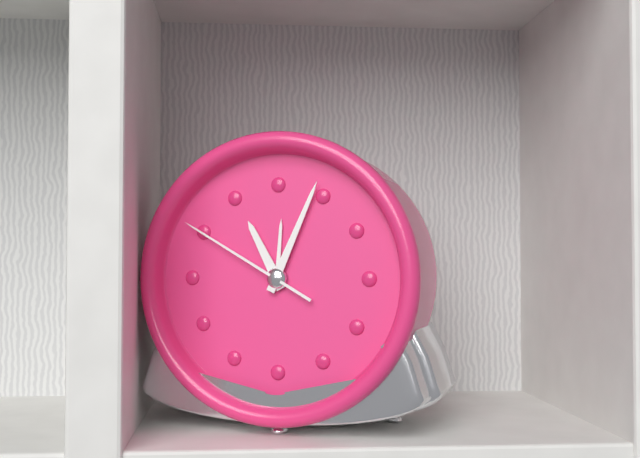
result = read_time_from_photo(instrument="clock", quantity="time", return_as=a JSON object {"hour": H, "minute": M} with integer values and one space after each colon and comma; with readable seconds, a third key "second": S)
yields {"hour": 11, "minute": 4, "second": 50}
